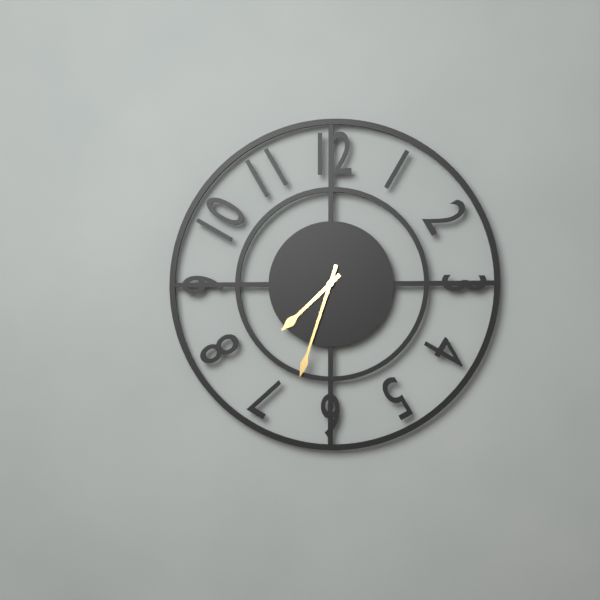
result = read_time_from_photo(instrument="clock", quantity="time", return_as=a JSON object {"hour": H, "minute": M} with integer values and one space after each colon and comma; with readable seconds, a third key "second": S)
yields {"hour": 7, "minute": 33}
